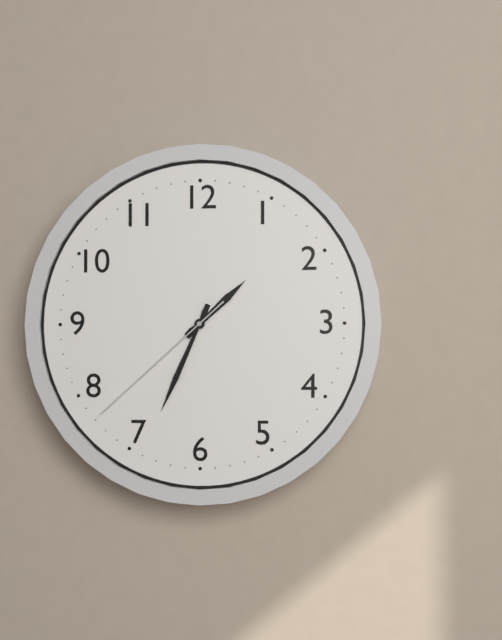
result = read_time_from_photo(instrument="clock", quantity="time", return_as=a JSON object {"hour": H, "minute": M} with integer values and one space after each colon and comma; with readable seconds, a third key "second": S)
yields {"hour": 1, "minute": 34, "second": 38}
